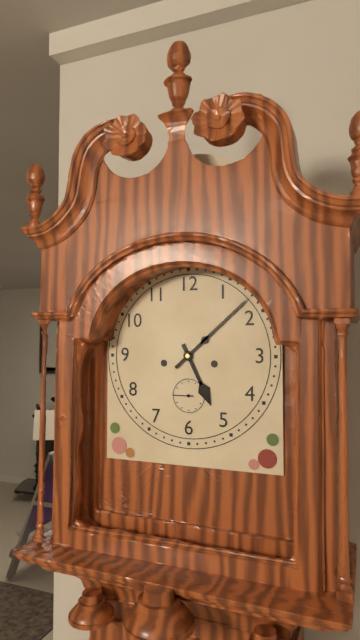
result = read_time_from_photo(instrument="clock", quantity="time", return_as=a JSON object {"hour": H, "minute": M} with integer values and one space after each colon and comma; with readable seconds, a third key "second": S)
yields {"hour": 5, "minute": 8}
